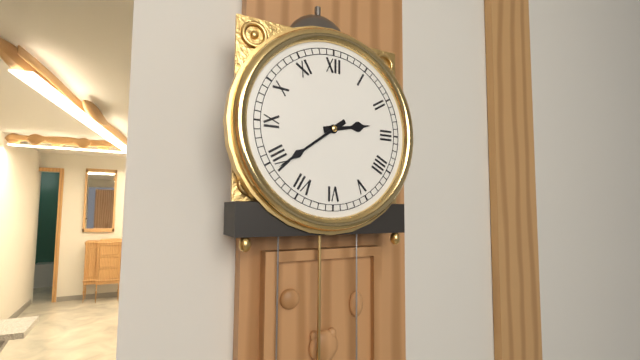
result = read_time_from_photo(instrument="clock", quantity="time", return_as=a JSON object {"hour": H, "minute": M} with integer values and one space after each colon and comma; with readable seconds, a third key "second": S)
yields {"hour": 2, "minute": 39}
